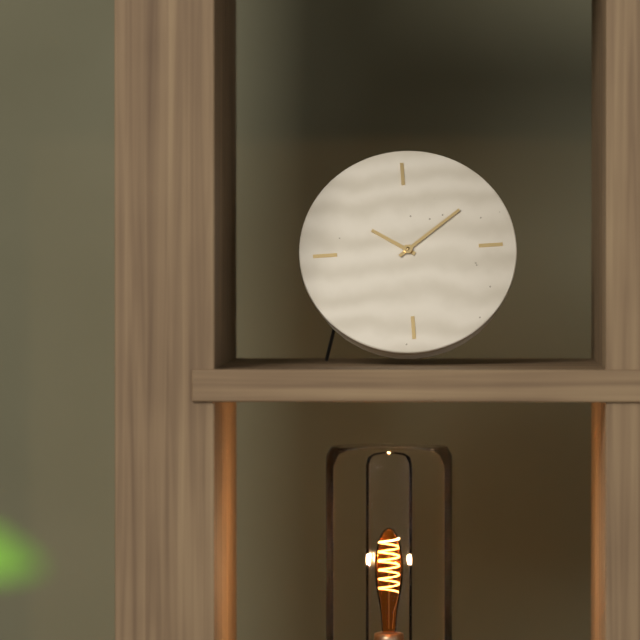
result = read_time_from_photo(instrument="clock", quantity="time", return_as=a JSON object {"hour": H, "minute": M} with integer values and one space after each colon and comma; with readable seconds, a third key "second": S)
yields {"hour": 10, "minute": 9}
